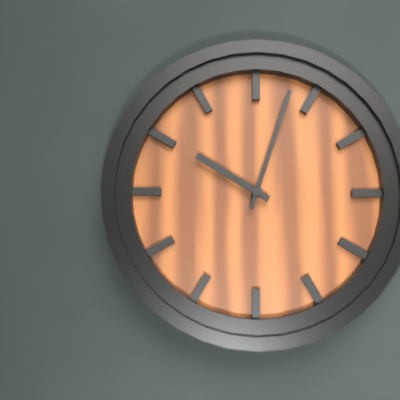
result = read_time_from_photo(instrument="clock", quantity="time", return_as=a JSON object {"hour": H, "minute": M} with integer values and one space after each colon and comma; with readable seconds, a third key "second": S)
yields {"hour": 10, "minute": 3}
